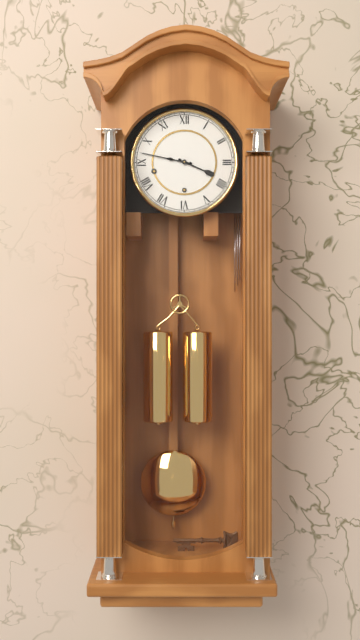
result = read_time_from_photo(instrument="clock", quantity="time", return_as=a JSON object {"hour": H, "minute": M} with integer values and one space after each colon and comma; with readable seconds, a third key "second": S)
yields {"hour": 3, "minute": 47}
